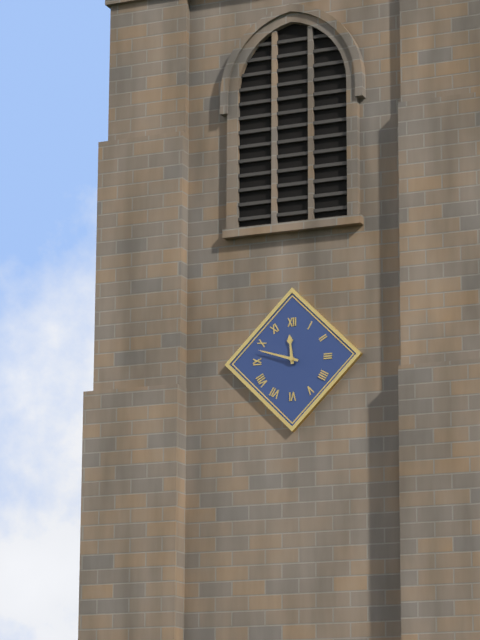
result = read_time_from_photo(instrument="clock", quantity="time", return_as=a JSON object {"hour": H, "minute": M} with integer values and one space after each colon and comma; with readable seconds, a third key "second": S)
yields {"hour": 11, "minute": 48}
